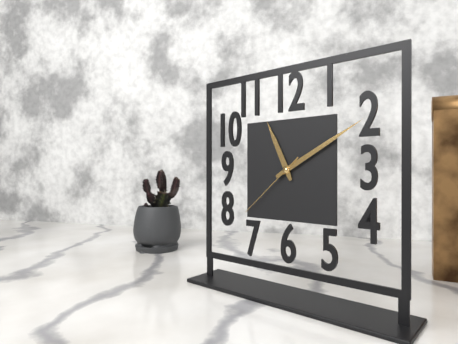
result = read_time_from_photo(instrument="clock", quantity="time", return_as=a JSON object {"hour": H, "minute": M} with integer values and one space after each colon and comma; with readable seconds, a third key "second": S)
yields {"hour": 11, "minute": 10, "second": 38}
